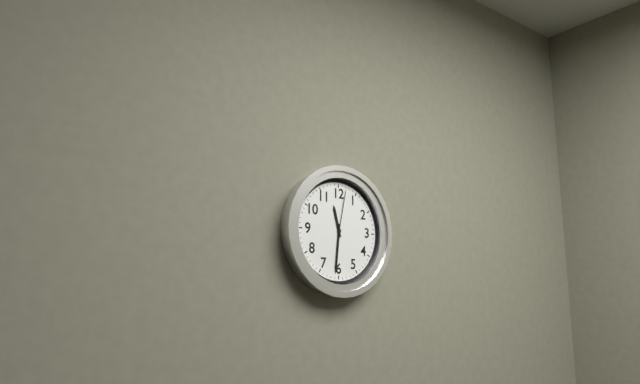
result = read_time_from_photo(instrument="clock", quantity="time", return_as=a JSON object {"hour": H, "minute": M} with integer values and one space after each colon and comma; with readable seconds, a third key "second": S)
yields {"hour": 11, "minute": 31, "second": 2}
